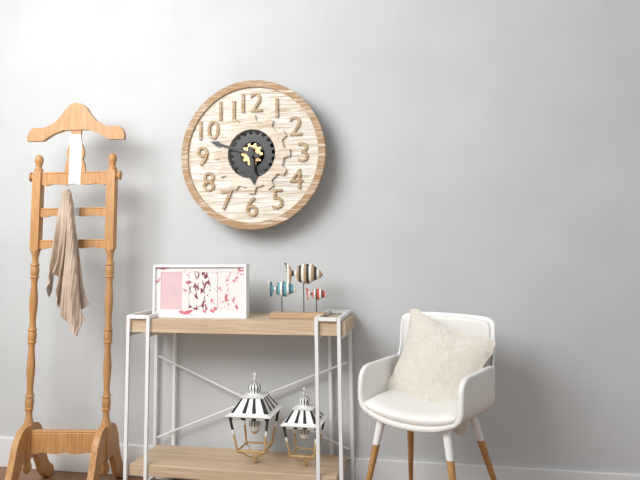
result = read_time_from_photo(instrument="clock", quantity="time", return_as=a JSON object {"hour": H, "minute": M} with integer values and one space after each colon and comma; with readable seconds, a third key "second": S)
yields {"hour": 5, "minute": 48}
